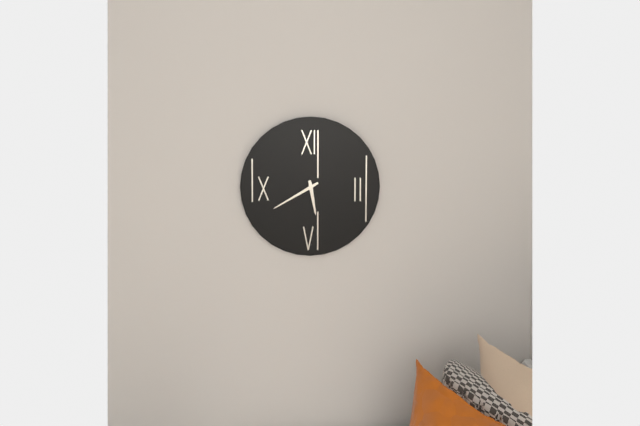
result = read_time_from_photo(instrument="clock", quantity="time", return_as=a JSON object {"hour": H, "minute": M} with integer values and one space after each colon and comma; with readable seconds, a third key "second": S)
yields {"hour": 5, "minute": 40}
